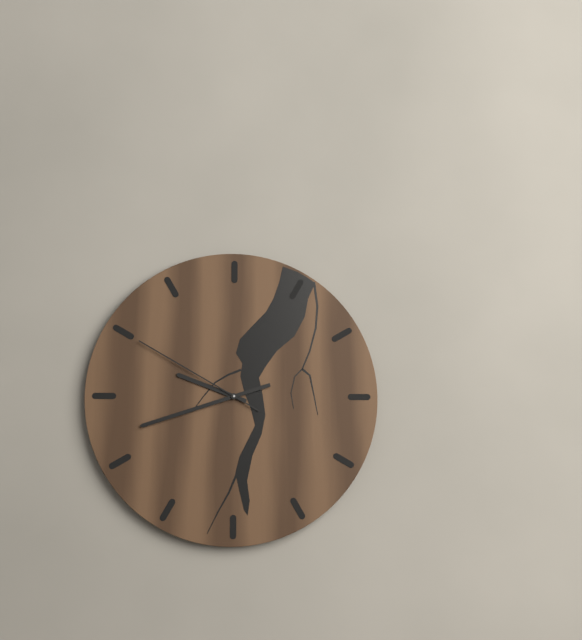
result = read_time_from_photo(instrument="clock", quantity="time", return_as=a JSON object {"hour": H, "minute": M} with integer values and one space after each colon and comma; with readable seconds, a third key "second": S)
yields {"hour": 9, "minute": 42, "second": 50}
